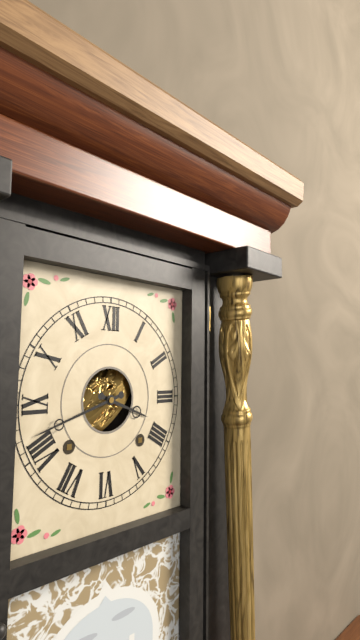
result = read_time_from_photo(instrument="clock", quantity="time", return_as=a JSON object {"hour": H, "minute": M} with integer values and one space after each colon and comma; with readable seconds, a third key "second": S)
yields {"hour": 3, "minute": 42}
